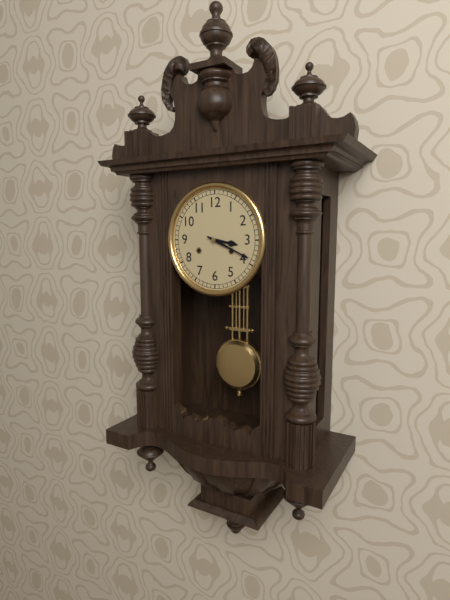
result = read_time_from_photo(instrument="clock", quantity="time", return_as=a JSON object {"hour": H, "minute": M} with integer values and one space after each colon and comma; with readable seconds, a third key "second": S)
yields {"hour": 3, "minute": 19}
